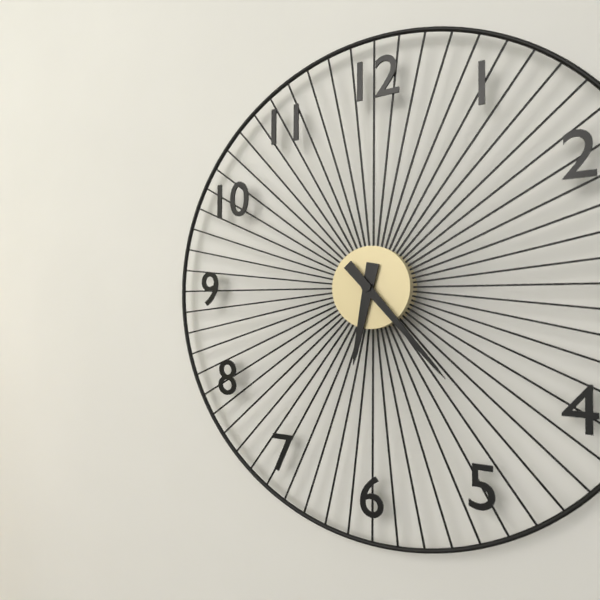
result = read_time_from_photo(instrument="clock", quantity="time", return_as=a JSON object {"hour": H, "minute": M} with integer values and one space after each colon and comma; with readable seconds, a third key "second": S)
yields {"hour": 6, "minute": 23}
